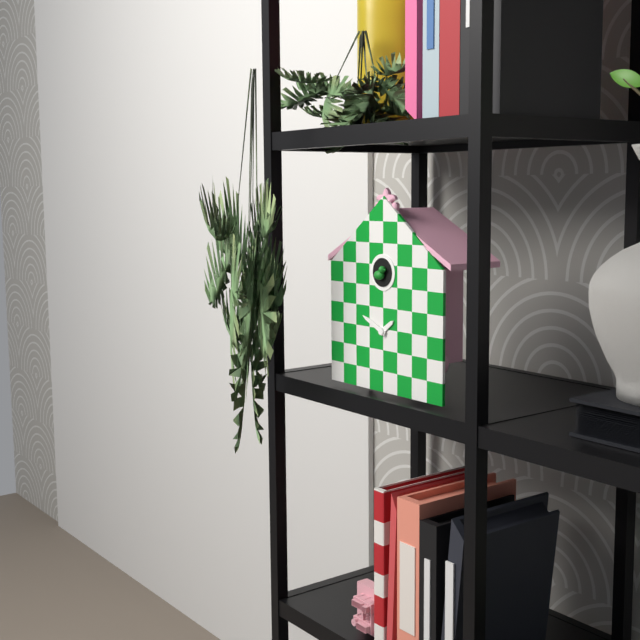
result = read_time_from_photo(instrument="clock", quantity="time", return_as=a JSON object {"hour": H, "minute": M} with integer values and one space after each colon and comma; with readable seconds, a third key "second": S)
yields {"hour": 1, "minute": 49}
